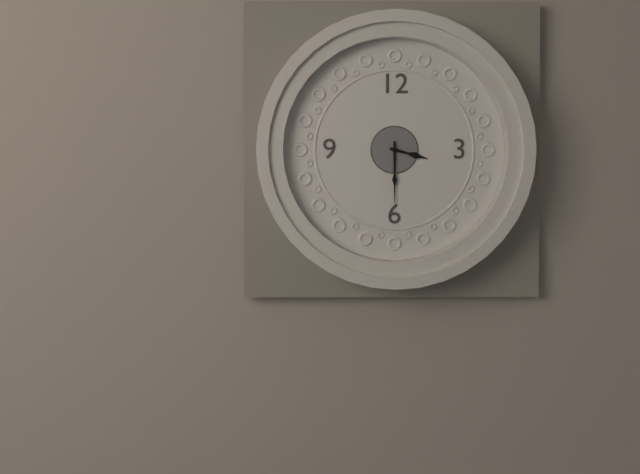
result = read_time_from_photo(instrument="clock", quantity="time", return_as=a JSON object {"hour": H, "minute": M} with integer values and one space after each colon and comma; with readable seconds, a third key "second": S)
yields {"hour": 3, "minute": 30}
